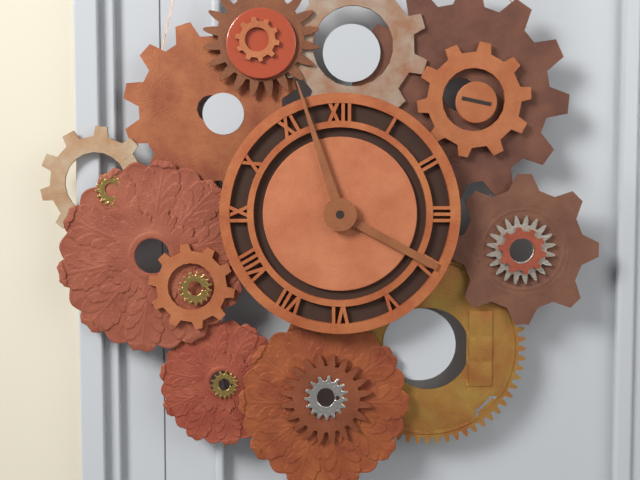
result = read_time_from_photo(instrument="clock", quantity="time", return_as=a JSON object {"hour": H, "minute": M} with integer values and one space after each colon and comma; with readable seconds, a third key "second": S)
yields {"hour": 3, "minute": 57}
